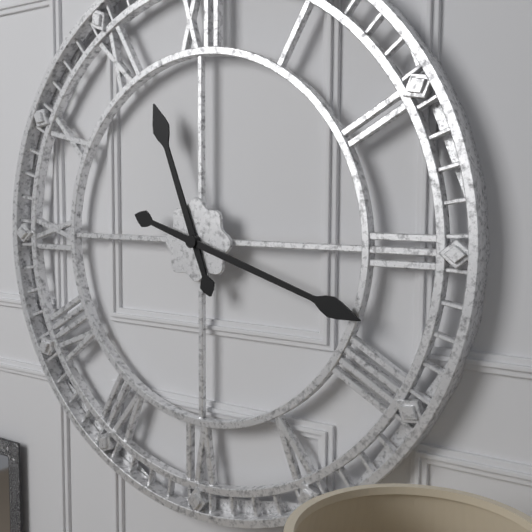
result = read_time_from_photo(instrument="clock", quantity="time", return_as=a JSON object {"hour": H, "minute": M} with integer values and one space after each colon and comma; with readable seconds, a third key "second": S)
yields {"hour": 11, "minute": 18}
